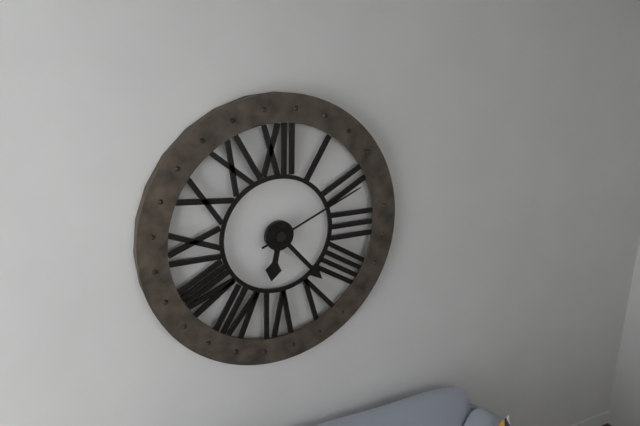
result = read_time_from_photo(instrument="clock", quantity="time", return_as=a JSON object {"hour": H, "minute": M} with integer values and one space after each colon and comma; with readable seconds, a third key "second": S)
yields {"hour": 6, "minute": 23, "second": 11}
